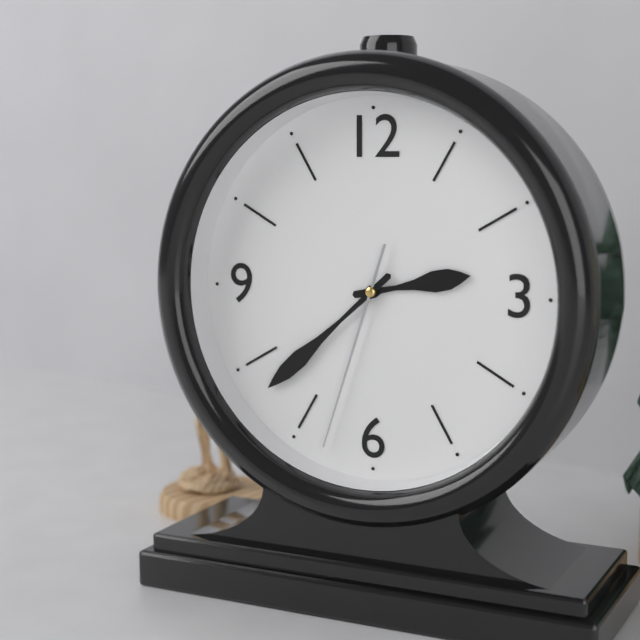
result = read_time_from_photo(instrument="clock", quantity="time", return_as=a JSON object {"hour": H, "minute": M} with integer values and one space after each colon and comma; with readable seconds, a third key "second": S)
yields {"hour": 2, "minute": 38, "second": 33}
